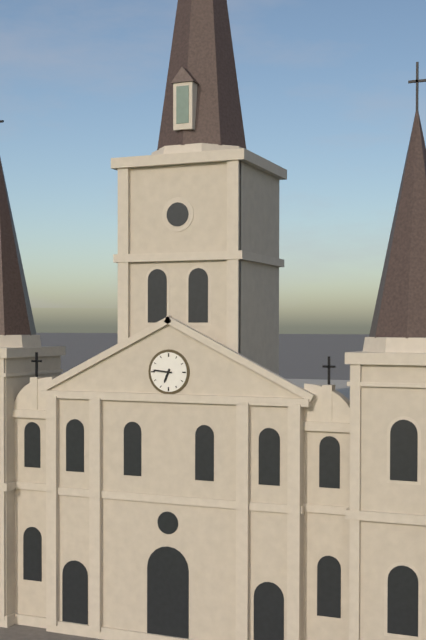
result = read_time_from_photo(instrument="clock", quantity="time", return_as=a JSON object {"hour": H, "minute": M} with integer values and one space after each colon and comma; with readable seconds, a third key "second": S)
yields {"hour": 6, "minute": 46}
